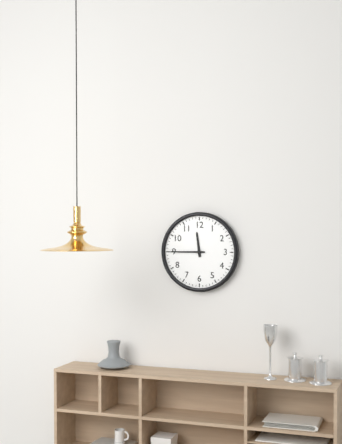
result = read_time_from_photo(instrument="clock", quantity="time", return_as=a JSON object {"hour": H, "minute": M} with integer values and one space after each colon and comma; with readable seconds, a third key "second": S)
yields {"hour": 11, "minute": 45}
